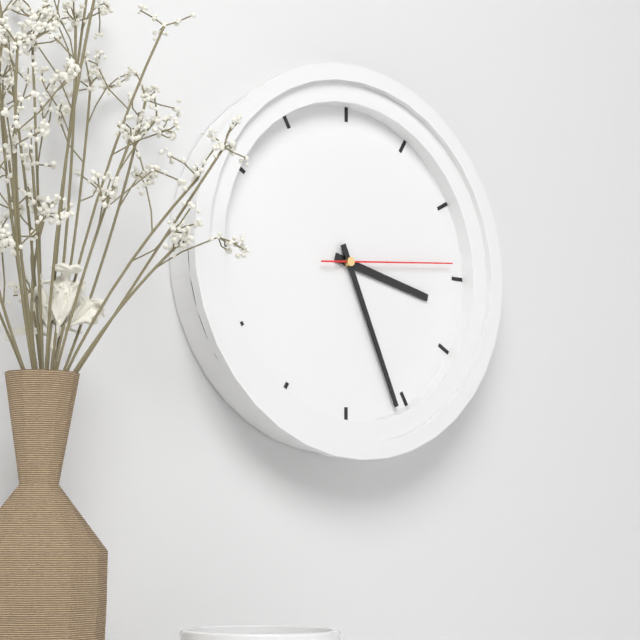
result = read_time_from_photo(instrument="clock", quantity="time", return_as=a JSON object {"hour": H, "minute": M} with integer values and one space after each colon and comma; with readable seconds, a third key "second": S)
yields {"hour": 3, "minute": 26, "second": 14}
